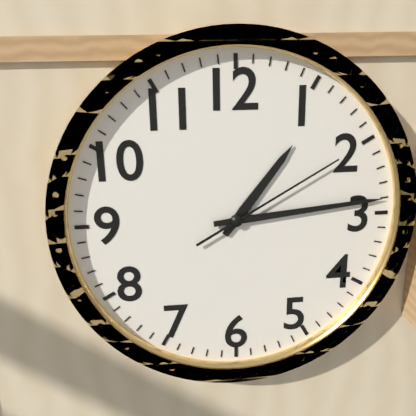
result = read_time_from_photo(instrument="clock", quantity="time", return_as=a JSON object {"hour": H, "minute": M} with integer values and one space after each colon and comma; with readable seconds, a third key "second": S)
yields {"hour": 1, "minute": 14, "second": 10}
